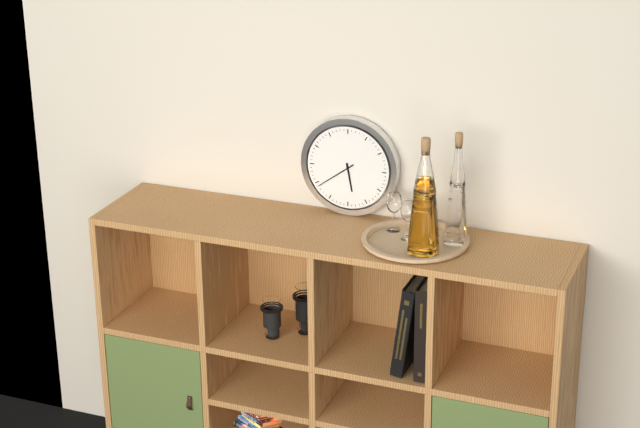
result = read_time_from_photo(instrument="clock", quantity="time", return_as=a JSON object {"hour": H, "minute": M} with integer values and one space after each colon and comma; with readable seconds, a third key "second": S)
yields {"hour": 5, "minute": 39}
